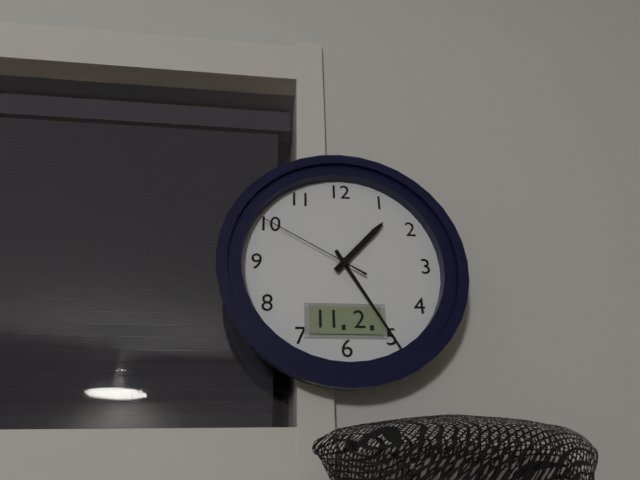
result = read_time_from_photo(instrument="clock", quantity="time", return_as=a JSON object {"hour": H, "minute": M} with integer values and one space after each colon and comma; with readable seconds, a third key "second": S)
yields {"hour": 1, "minute": 25, "second": 50}
